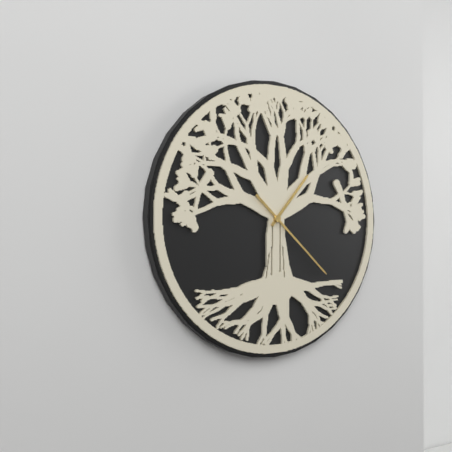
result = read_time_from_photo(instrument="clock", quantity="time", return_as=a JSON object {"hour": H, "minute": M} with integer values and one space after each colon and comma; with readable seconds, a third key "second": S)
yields {"hour": 1, "minute": 22}
